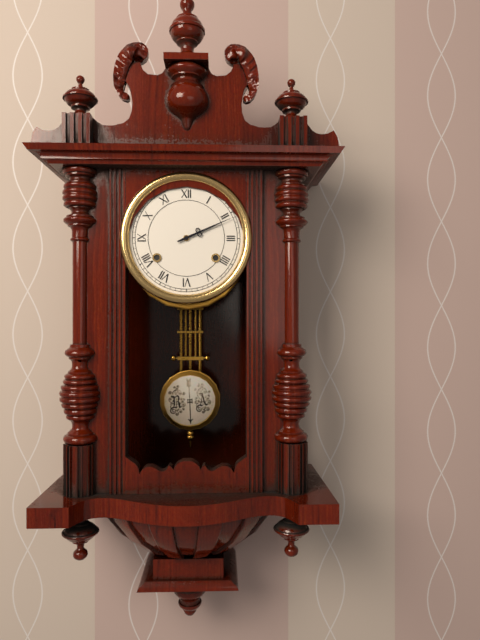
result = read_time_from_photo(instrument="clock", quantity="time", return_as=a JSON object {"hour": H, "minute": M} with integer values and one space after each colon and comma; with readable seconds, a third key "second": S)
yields {"hour": 2, "minute": 11}
